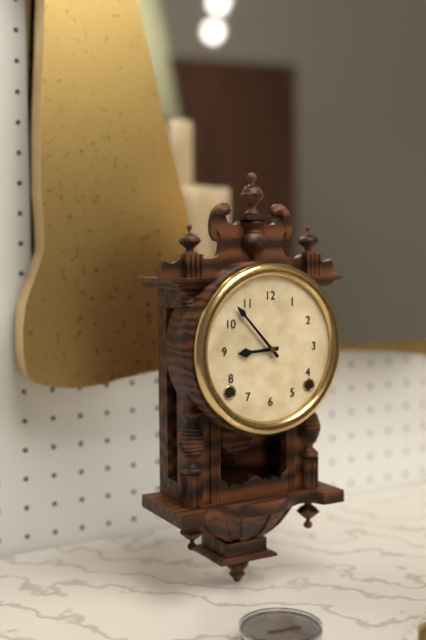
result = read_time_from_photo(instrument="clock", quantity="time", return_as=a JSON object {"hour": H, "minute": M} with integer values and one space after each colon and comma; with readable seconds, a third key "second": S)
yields {"hour": 8, "minute": 53}
